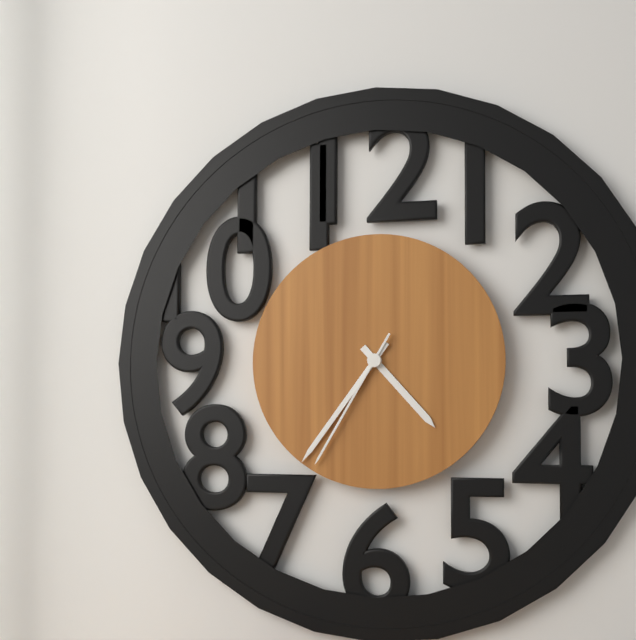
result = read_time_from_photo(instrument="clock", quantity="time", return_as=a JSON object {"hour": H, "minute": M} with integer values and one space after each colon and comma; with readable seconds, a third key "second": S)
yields {"hour": 4, "minute": 36, "second": 35}
